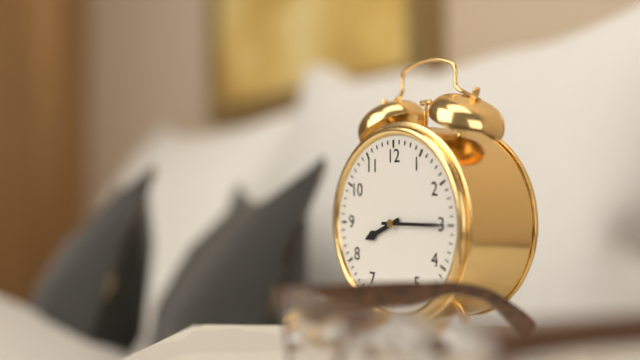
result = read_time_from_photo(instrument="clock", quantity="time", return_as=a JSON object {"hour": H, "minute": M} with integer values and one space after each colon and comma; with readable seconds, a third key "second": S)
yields {"hour": 8, "minute": 15}
